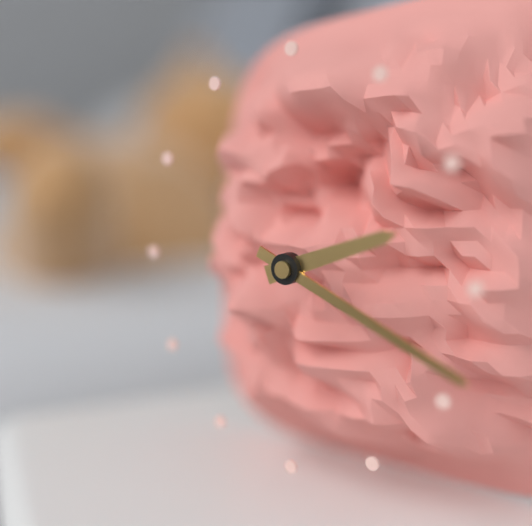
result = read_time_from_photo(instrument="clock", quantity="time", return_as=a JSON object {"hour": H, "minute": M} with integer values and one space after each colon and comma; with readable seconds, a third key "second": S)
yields {"hour": 2, "minute": 19}
